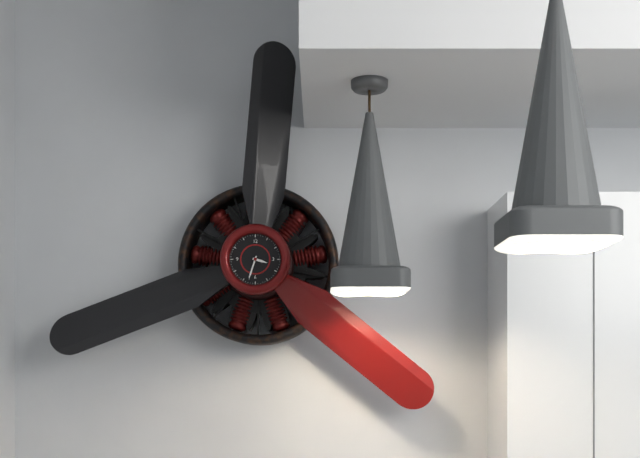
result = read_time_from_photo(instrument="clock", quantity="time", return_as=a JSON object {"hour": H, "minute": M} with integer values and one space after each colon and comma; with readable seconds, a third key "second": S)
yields {"hour": 3, "minute": 33}
